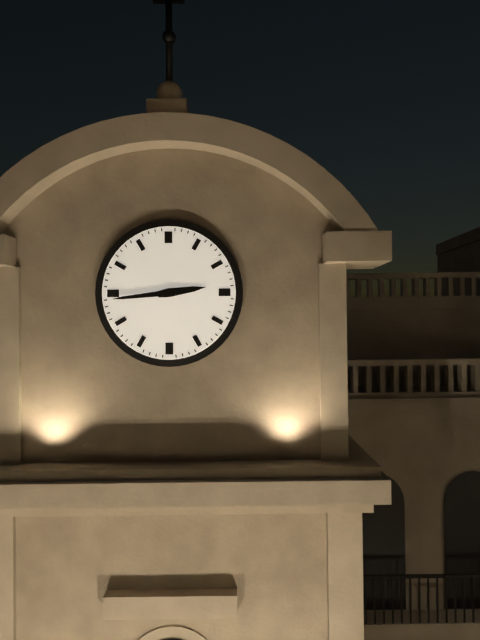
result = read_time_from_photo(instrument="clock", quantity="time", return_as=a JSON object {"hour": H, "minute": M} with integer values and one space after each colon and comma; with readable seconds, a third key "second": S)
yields {"hour": 2, "minute": 44}
